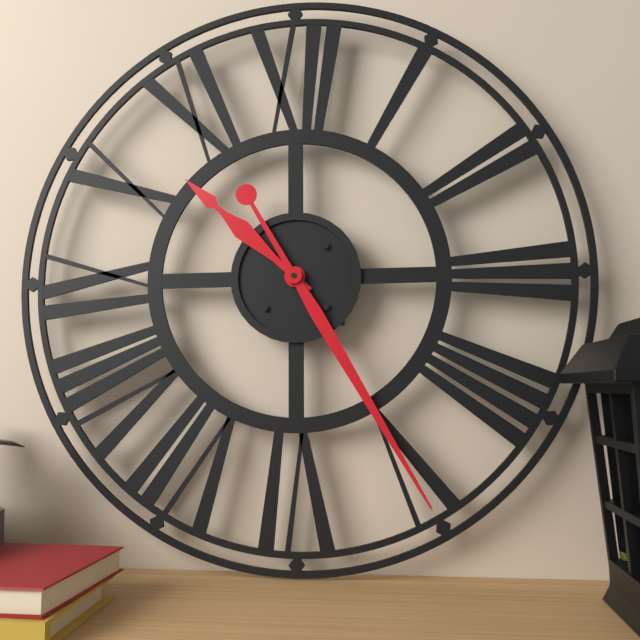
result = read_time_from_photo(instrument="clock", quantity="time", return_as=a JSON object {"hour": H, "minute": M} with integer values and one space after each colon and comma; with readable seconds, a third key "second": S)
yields {"hour": 10, "minute": 25}
